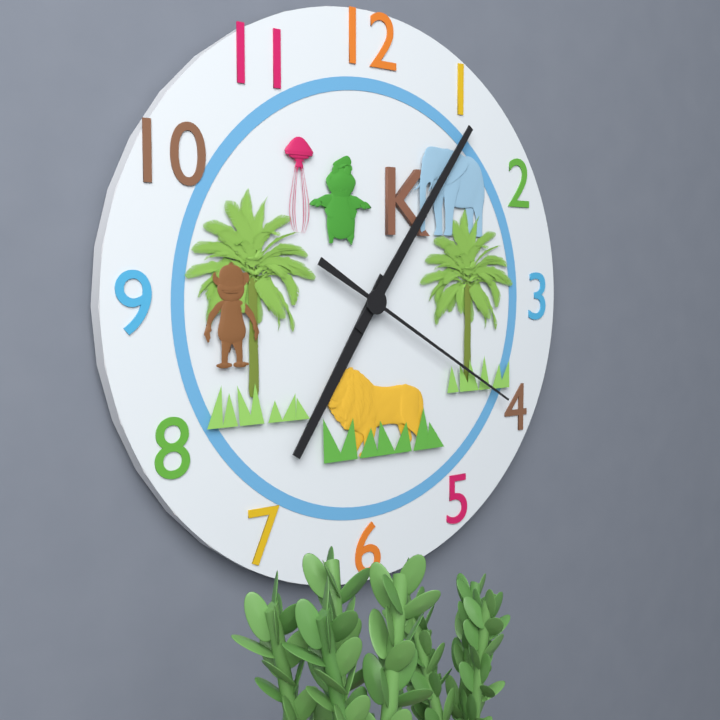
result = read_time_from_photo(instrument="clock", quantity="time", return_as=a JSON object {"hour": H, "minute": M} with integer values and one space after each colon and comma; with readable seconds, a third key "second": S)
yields {"hour": 7, "minute": 6, "second": 20}
